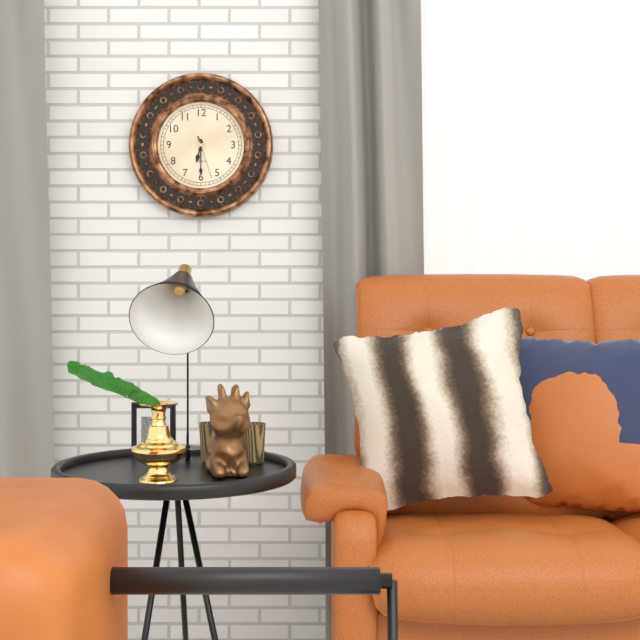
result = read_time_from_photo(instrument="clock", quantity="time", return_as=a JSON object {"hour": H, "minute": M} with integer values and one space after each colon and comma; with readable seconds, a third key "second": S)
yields {"hour": 6, "minute": 30}
